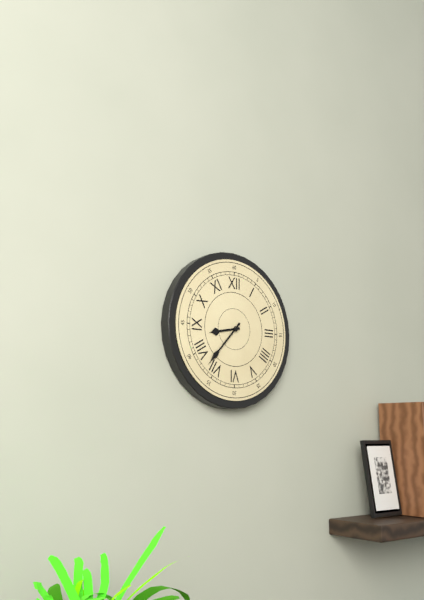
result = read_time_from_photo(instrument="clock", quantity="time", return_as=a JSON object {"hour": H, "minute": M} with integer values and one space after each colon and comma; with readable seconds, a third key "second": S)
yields {"hour": 8, "minute": 37}
